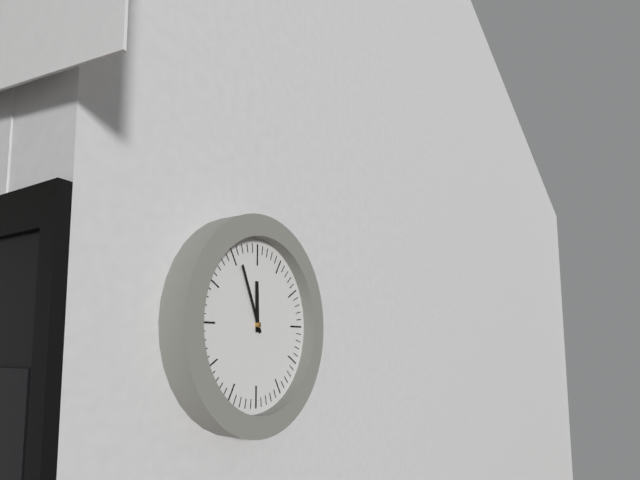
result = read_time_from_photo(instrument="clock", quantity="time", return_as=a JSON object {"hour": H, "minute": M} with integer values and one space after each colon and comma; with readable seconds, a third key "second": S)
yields {"hour": 11, "minute": 56}
